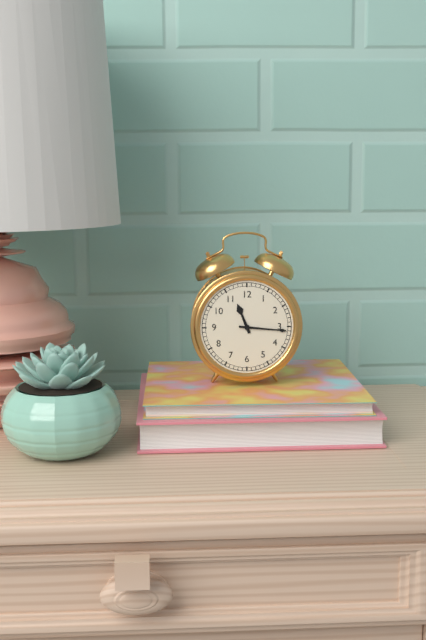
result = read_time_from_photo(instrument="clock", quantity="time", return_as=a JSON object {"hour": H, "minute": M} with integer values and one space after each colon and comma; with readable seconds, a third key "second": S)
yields {"hour": 11, "minute": 16}
